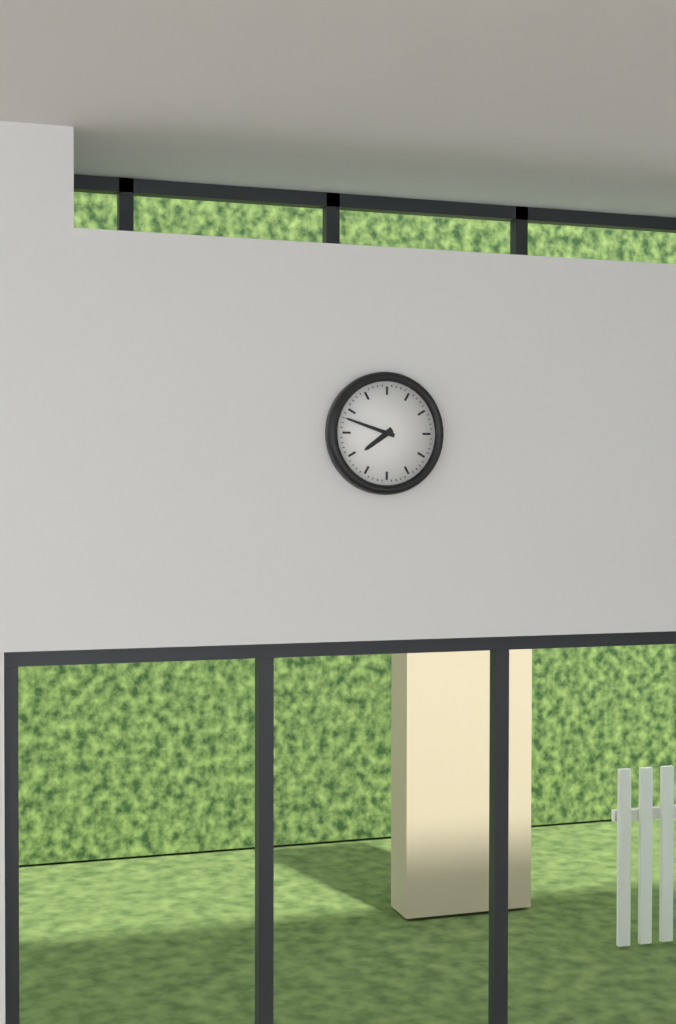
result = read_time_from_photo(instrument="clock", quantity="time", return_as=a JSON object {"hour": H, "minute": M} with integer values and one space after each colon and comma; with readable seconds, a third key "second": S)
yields {"hour": 7, "minute": 48}
